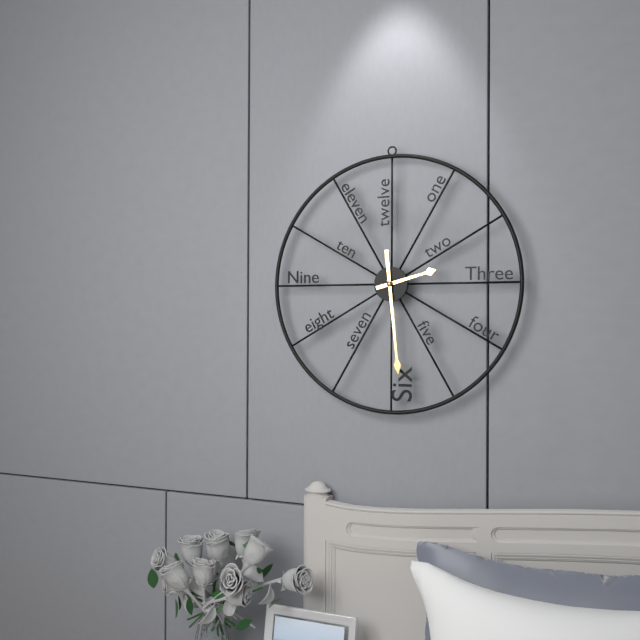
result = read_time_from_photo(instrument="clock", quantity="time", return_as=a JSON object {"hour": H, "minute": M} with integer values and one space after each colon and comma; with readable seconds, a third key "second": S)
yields {"hour": 2, "minute": 29}
